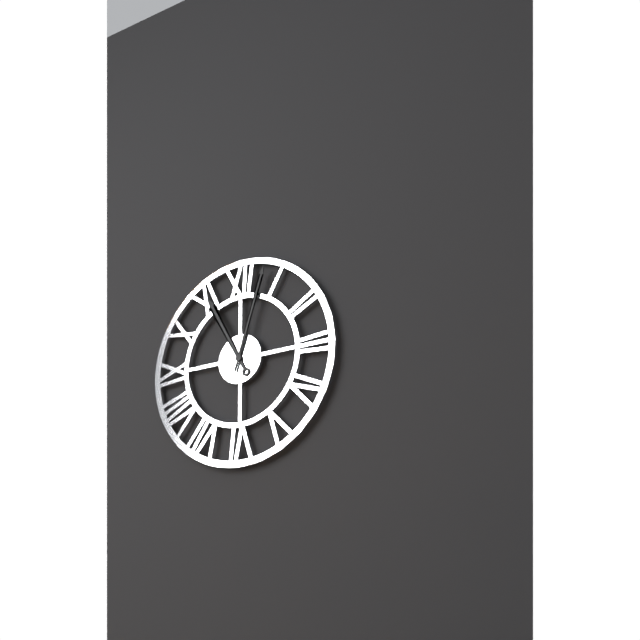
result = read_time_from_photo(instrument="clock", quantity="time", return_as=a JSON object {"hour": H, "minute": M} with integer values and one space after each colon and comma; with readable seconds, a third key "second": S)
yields {"hour": 11, "minute": 3}
